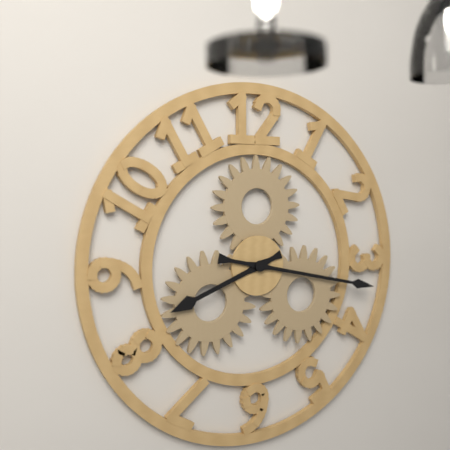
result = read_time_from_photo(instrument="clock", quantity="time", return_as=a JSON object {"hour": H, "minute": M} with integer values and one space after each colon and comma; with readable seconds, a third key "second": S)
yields {"hour": 8, "minute": 17}
